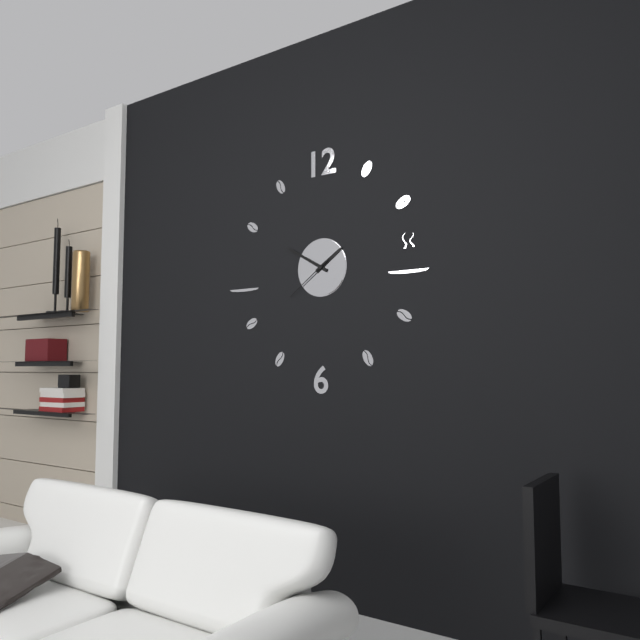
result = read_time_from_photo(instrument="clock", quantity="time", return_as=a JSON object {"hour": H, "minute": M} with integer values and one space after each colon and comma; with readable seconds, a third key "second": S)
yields {"hour": 1, "minute": 50, "second": 39}
